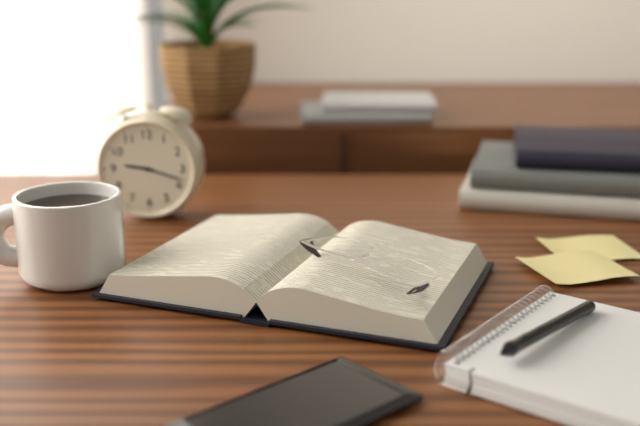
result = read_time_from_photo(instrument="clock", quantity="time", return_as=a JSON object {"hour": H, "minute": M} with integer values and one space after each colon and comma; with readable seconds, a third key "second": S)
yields {"hour": 9, "minute": 18}
